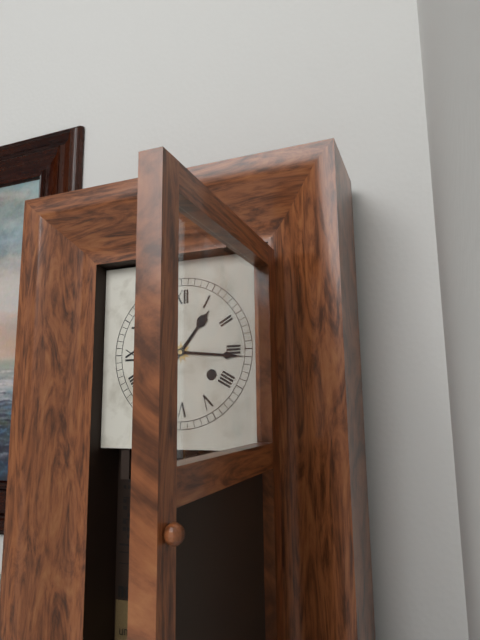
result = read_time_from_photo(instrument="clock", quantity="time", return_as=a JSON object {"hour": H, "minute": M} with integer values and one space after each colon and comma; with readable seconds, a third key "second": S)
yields {"hour": 1, "minute": 16}
